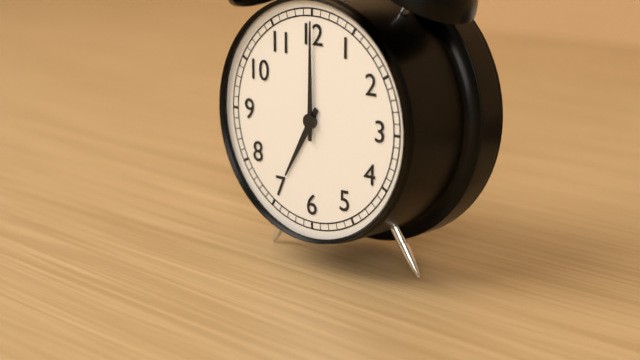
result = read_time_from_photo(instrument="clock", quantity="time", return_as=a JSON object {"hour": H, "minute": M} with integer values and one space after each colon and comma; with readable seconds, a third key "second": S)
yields {"hour": 7, "minute": 0}
